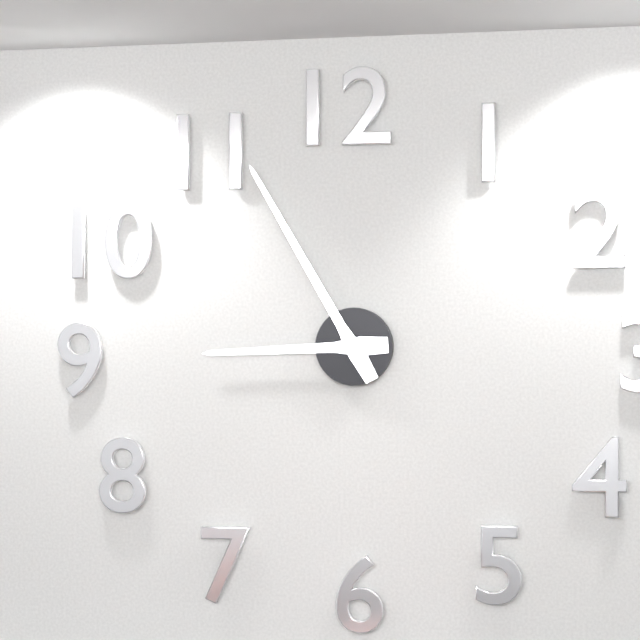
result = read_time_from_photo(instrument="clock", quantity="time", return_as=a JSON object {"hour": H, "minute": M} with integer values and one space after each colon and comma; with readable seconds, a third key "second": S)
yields {"hour": 8, "minute": 55}
